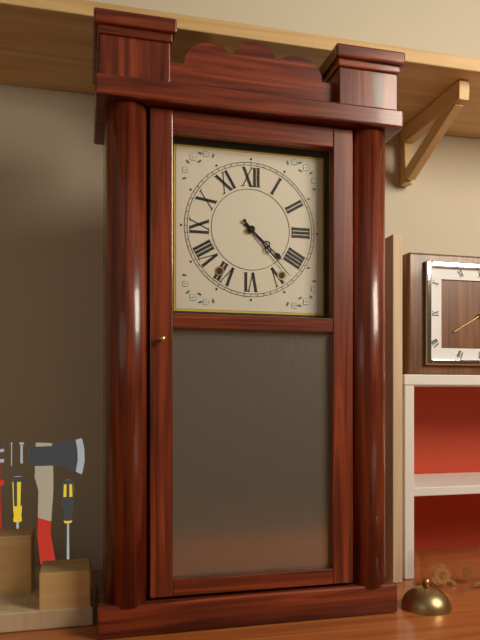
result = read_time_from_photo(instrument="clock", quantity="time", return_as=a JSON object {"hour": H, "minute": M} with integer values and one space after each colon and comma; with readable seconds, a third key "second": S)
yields {"hour": 4, "minute": 23}
